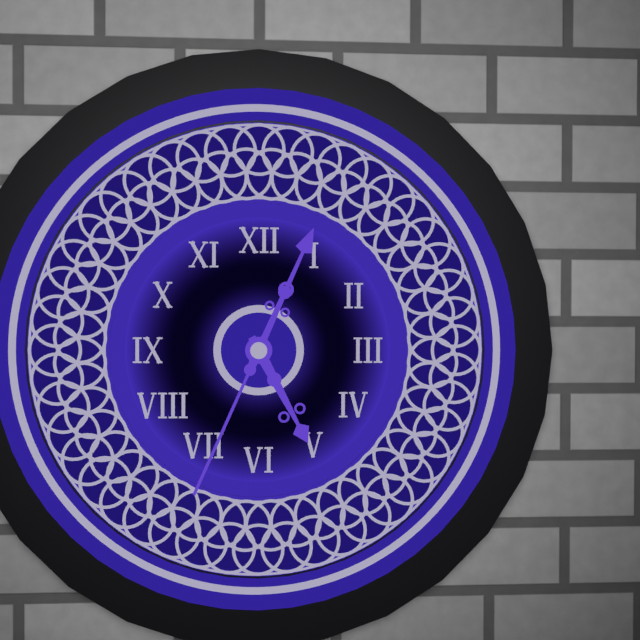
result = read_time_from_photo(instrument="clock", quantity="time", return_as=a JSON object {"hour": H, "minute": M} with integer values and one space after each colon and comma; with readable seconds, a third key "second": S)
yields {"hour": 5, "minute": 4, "second": 34}
